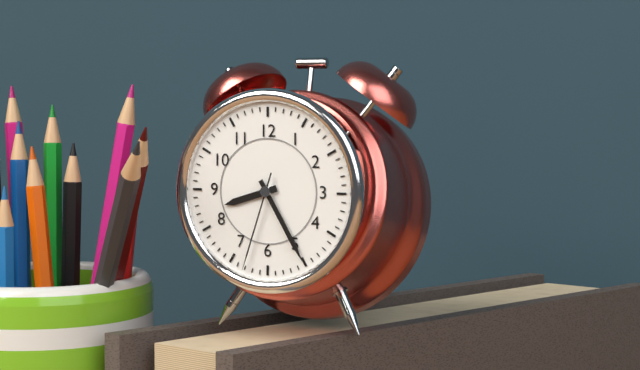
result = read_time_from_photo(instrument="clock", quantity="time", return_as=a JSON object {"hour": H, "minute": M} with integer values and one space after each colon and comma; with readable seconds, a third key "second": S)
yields {"hour": 8, "minute": 25, "second": 33}
